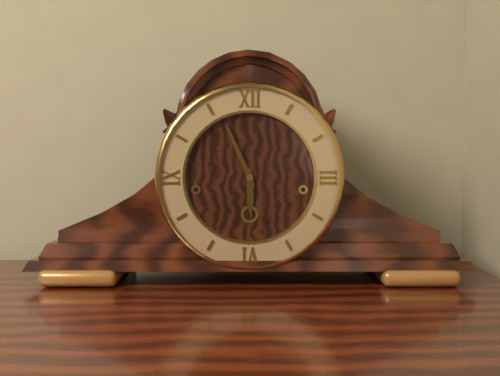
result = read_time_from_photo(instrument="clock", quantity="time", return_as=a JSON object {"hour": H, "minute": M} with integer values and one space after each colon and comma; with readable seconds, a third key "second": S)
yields {"hour": 5, "minute": 56}
